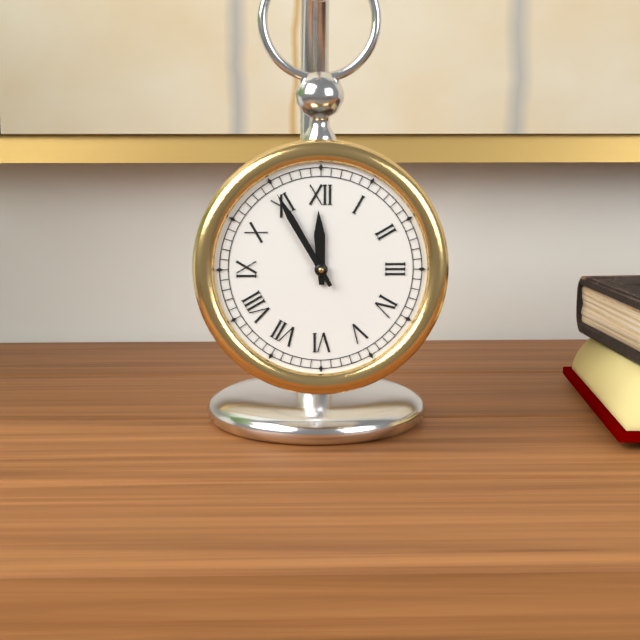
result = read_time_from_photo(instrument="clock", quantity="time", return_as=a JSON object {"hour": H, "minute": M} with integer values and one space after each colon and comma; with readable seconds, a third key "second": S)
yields {"hour": 11, "minute": 55}
